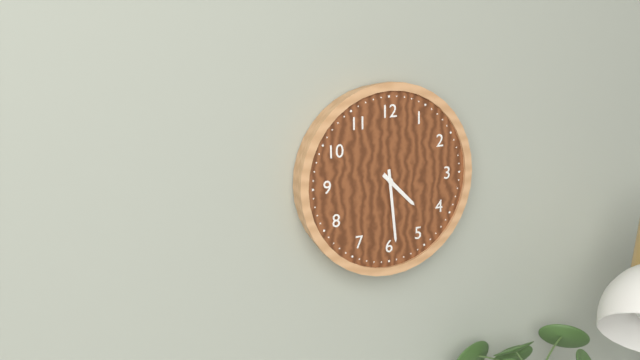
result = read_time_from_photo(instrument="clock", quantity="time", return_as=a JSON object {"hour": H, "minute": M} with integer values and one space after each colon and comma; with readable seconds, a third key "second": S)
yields {"hour": 4, "minute": 29}
